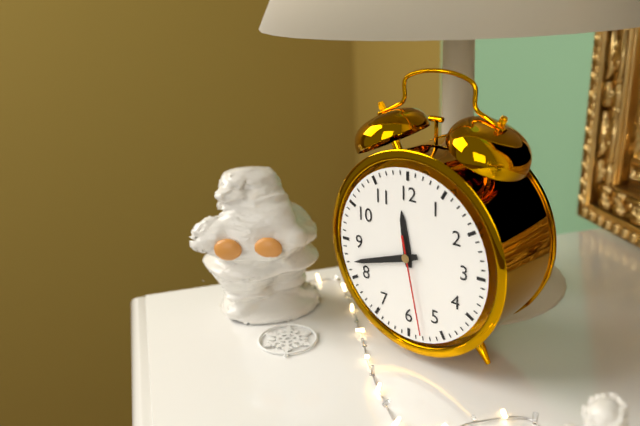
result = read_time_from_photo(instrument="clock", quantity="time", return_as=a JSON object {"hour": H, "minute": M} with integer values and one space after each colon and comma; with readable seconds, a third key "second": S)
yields {"hour": 11, "minute": 42, "second": 28}
